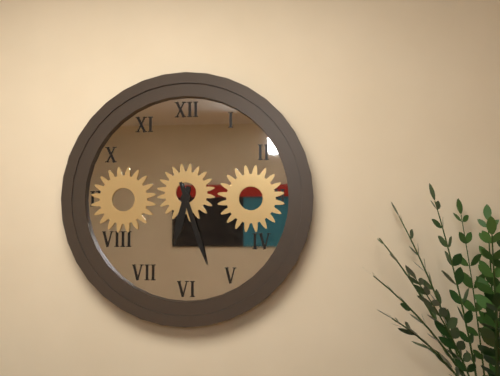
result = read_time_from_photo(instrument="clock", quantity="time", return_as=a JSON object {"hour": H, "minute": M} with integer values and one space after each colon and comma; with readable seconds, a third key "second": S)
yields {"hour": 6, "minute": 27}
